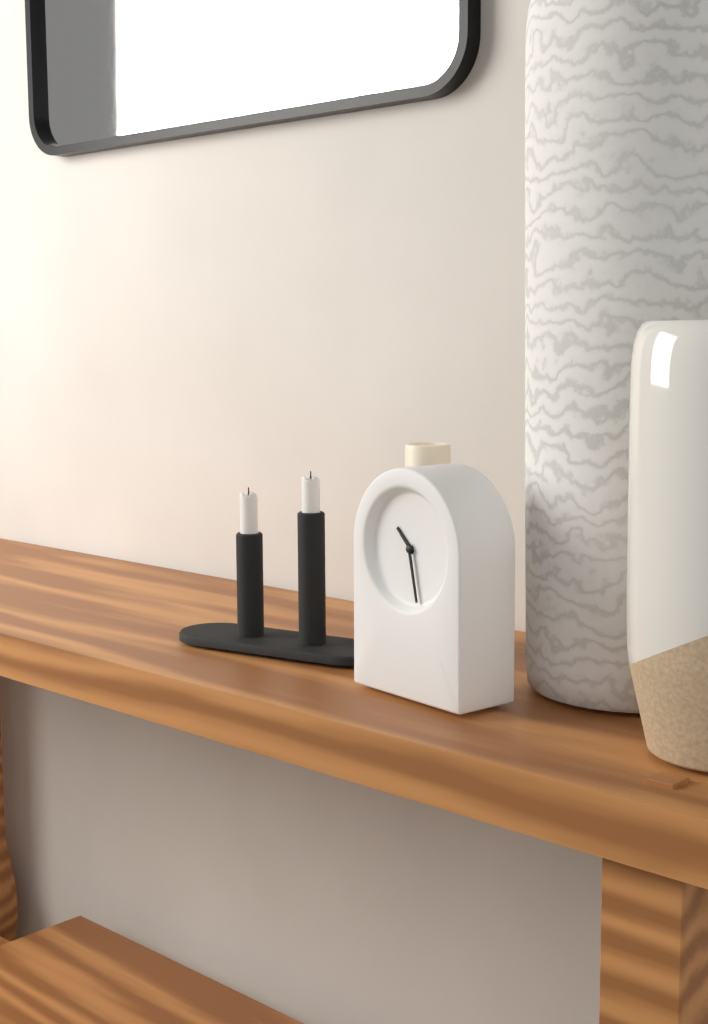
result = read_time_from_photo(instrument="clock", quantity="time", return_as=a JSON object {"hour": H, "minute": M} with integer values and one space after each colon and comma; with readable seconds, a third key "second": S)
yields {"hour": 10, "minute": 28}
